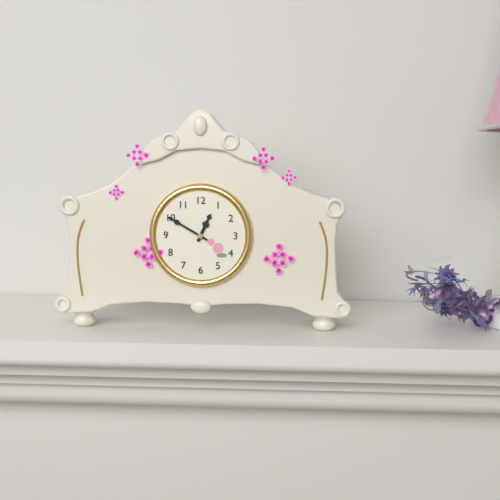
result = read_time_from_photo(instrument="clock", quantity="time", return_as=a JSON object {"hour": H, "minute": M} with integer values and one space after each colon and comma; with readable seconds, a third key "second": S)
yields {"hour": 12, "minute": 50}
